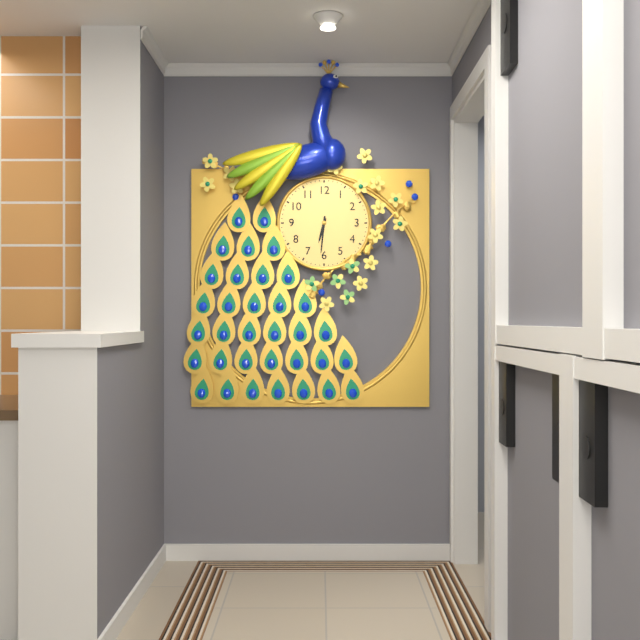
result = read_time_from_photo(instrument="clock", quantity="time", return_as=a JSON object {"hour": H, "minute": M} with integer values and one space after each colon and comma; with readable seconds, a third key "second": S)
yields {"hour": 6, "minute": 31}
